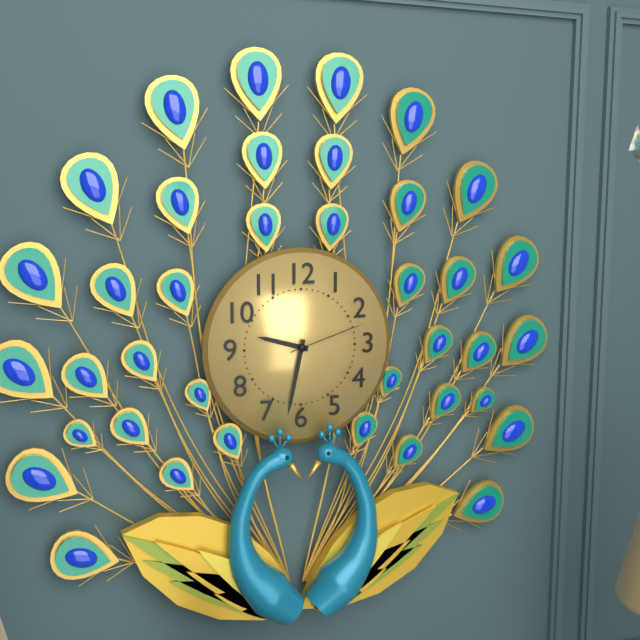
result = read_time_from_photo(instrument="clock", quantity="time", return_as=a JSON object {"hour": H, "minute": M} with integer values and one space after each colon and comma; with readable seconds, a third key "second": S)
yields {"hour": 9, "minute": 32, "second": 12}
